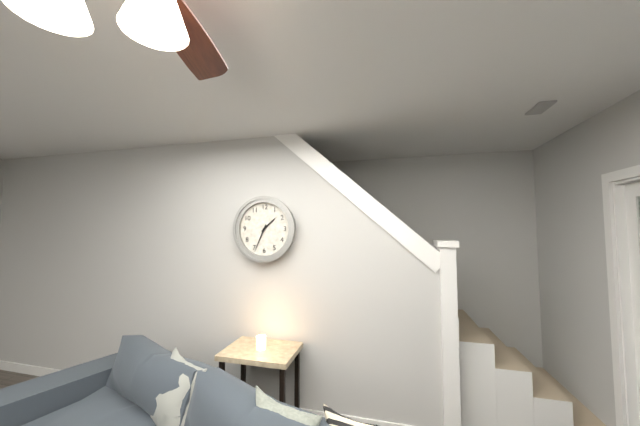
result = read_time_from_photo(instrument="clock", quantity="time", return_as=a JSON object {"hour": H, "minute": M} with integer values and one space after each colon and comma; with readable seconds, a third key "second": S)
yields {"hour": 1, "minute": 34}
